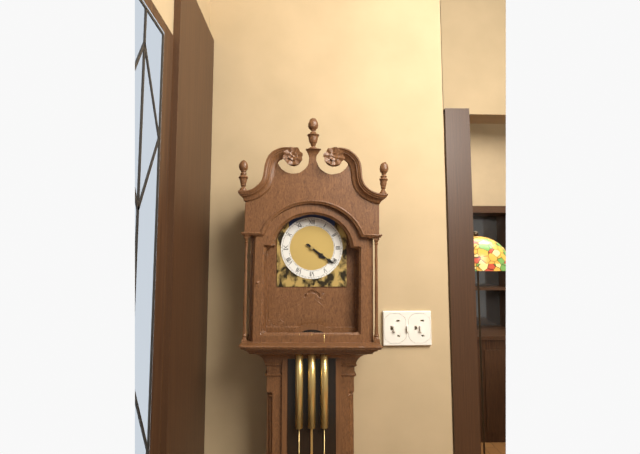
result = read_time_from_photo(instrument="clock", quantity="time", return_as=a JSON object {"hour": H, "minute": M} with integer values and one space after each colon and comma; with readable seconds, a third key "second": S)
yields {"hour": 4, "minute": 21}
